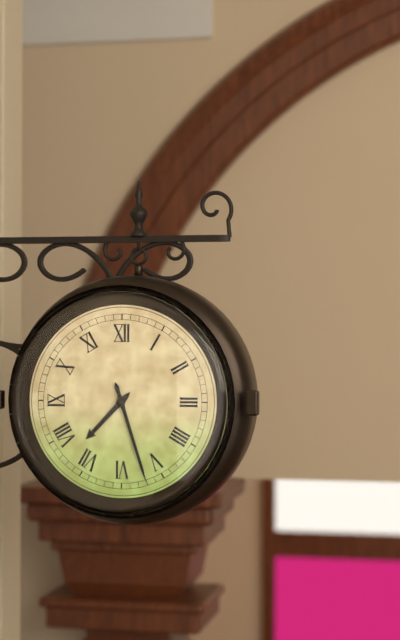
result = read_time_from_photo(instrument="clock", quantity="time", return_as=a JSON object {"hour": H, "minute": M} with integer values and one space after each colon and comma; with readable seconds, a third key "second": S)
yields {"hour": 7, "minute": 27}
